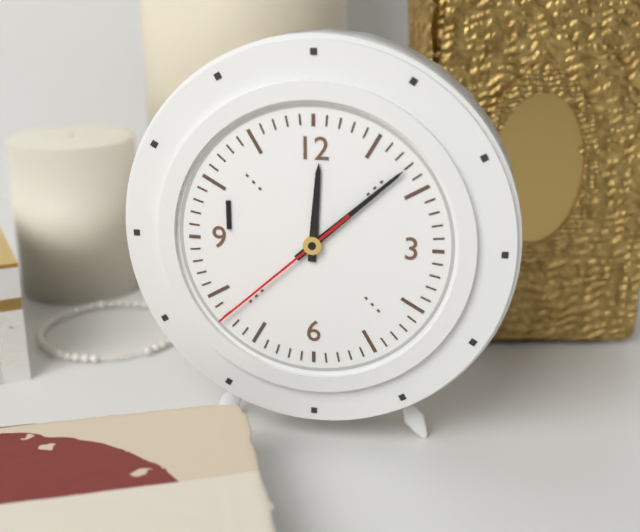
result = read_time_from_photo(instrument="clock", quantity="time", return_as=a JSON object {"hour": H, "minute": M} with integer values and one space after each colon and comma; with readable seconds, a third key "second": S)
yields {"hour": 12, "minute": 8, "second": 38}
